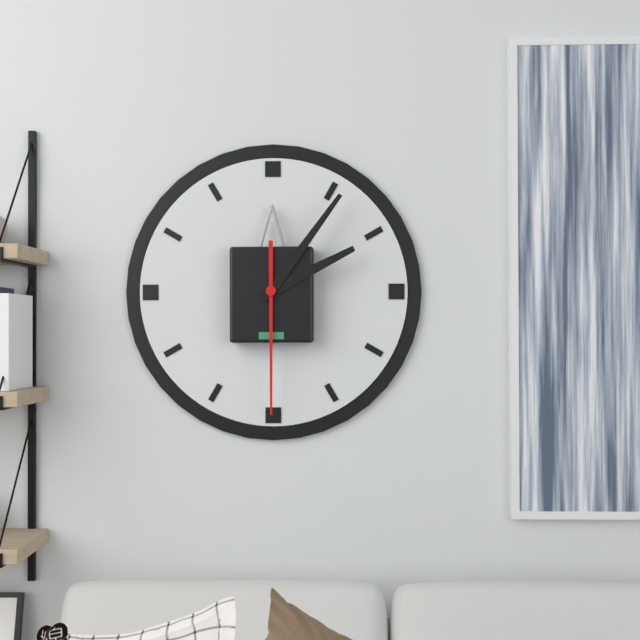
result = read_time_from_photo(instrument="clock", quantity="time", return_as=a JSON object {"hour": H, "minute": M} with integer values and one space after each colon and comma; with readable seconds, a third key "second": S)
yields {"hour": 2, "minute": 6, "second": 30}
